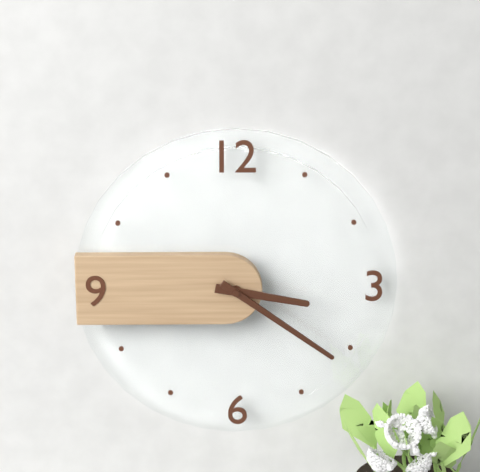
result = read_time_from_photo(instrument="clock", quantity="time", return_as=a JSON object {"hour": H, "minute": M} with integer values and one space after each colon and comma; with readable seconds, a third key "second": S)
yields {"hour": 3, "minute": 21}
